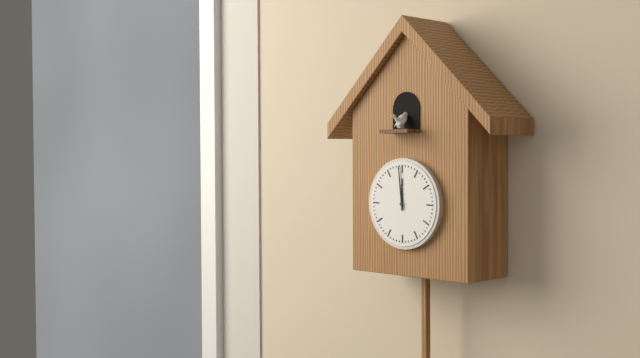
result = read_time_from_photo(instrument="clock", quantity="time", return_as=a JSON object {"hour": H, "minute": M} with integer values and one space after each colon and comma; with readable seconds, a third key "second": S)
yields {"hour": 11, "minute": 59}
